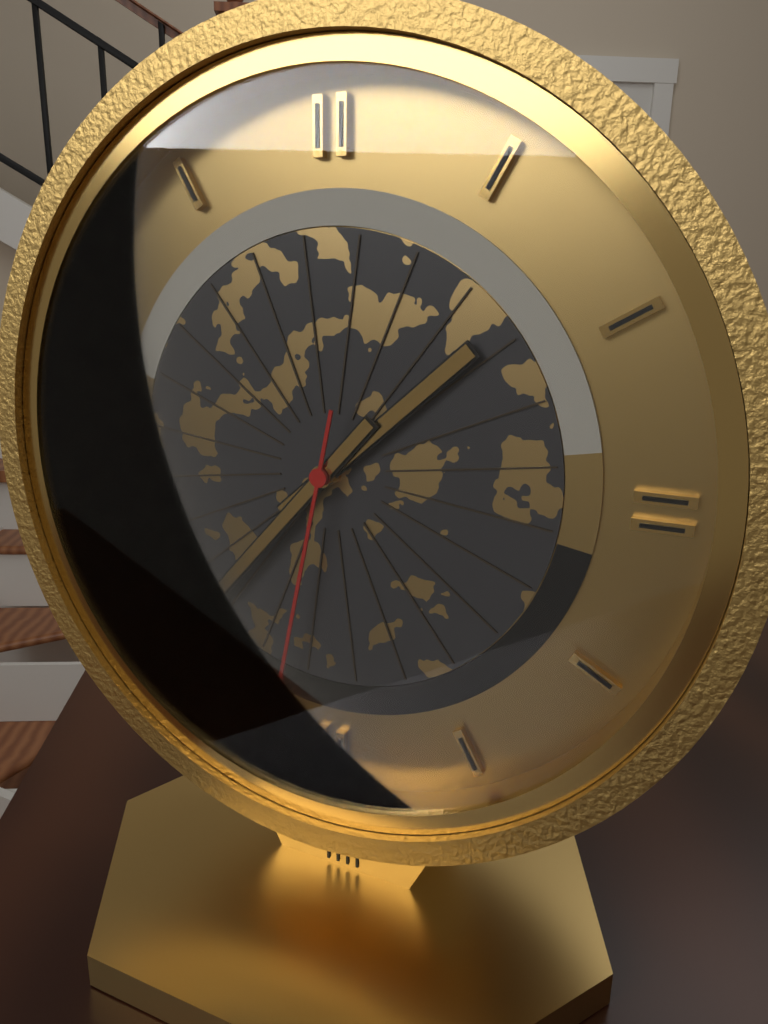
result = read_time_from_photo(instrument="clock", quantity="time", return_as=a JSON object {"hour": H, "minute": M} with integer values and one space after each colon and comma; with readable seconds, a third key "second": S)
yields {"hour": 1, "minute": 37, "second": 32}
